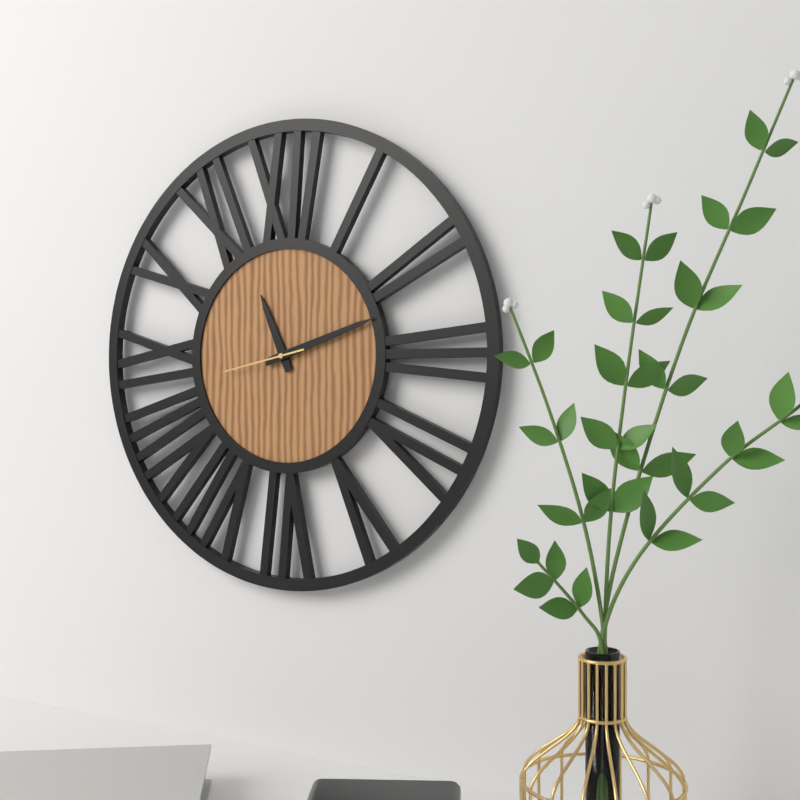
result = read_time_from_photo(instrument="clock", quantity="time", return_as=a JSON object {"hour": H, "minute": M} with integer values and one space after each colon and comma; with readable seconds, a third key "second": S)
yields {"hour": 11, "minute": 12, "second": 43}
